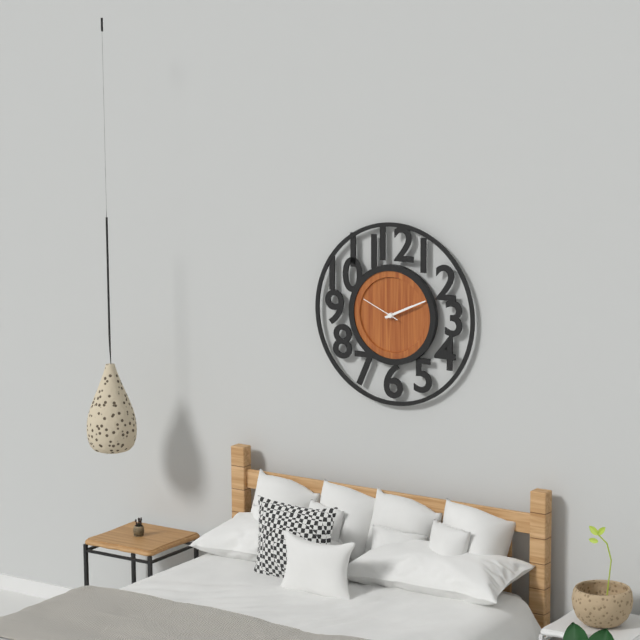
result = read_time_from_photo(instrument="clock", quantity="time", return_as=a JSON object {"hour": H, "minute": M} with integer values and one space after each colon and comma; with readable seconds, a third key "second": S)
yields {"hour": 2, "minute": 11}
